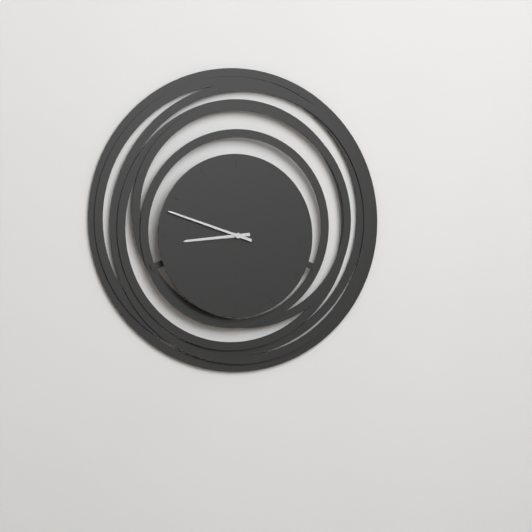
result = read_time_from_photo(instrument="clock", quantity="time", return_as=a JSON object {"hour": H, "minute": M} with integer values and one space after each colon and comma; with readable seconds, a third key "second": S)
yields {"hour": 8, "minute": 48}
